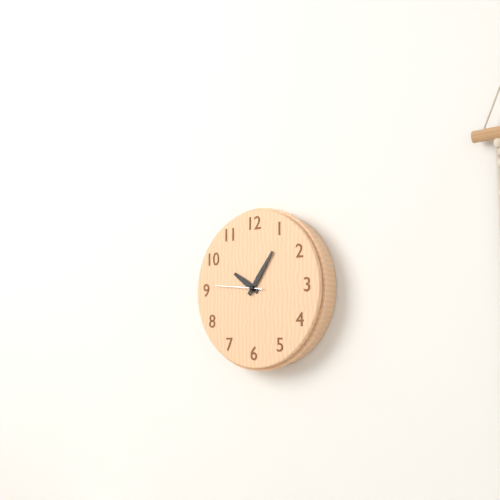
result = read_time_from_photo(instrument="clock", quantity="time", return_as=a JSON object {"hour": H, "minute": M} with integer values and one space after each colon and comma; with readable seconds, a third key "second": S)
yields {"hour": 10, "minute": 6}
